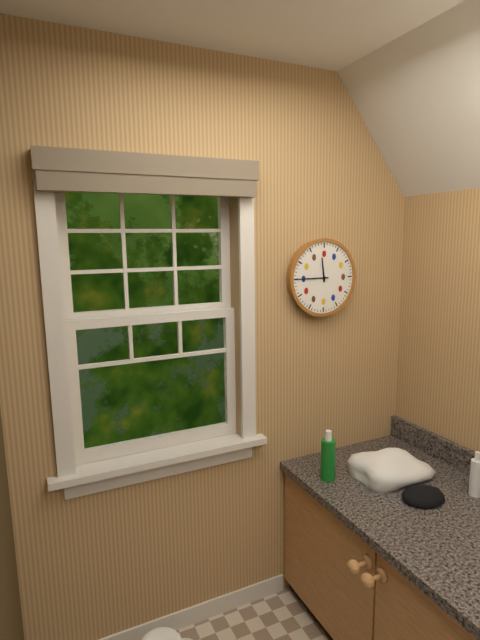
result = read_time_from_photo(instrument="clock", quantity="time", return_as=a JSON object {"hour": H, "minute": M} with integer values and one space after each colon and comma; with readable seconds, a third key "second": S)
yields {"hour": 11, "minute": 45}
